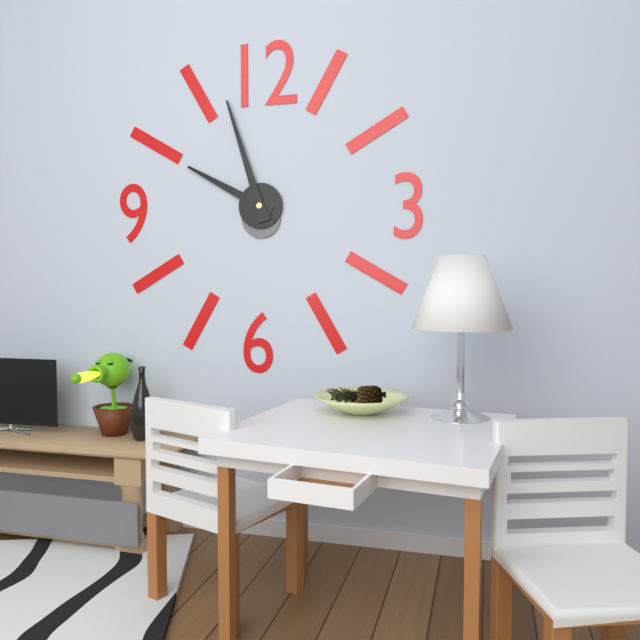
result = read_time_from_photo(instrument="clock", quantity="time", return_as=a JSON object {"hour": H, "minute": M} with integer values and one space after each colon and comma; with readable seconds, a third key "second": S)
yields {"hour": 9, "minute": 57}
